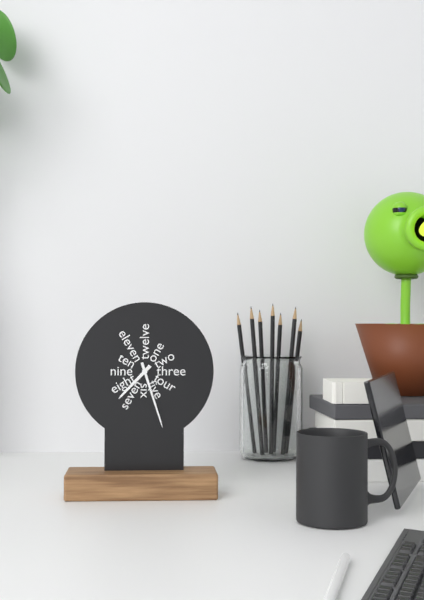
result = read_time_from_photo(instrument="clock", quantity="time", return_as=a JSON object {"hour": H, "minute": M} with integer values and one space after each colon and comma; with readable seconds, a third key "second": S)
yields {"hour": 7, "minute": 27}
